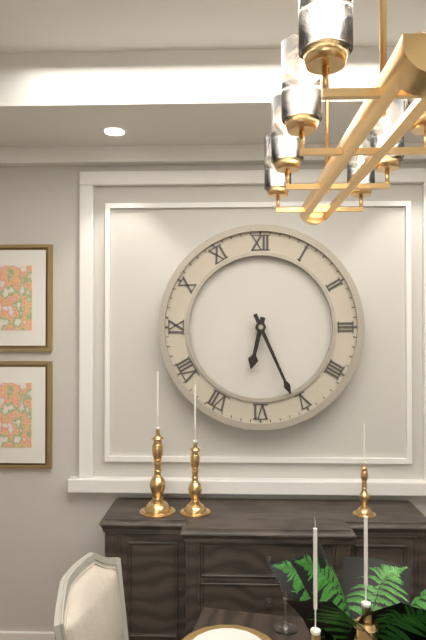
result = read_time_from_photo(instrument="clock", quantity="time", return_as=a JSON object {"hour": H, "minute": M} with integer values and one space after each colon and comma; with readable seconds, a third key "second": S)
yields {"hour": 6, "minute": 26}
